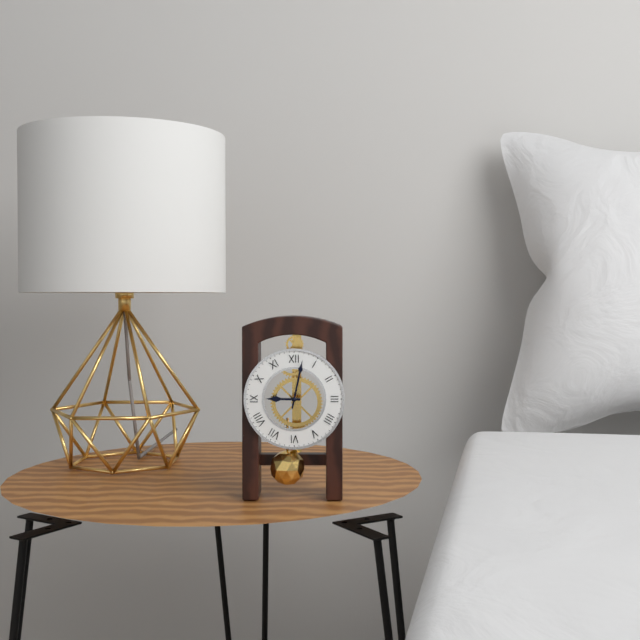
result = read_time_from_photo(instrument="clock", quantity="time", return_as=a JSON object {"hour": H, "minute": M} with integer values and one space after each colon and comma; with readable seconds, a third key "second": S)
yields {"hour": 9, "minute": 2}
